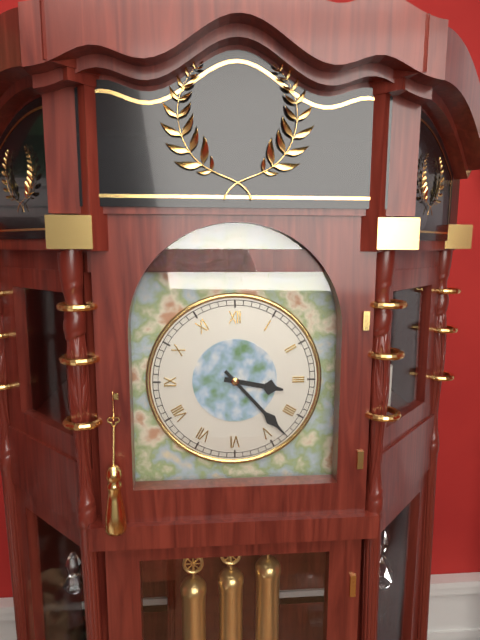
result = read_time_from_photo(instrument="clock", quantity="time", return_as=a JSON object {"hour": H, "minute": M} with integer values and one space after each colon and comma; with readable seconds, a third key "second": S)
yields {"hour": 3, "minute": 23}
